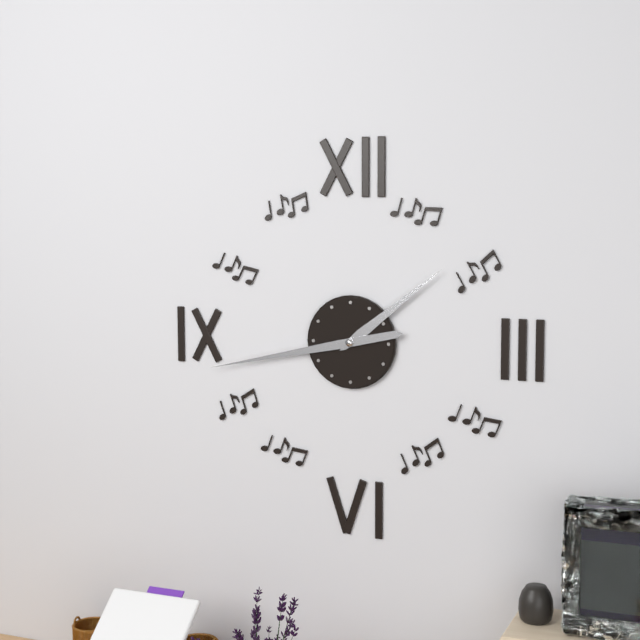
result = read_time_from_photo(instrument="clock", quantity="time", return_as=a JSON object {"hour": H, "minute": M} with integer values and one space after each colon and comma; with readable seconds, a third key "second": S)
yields {"hour": 1, "minute": 43}
